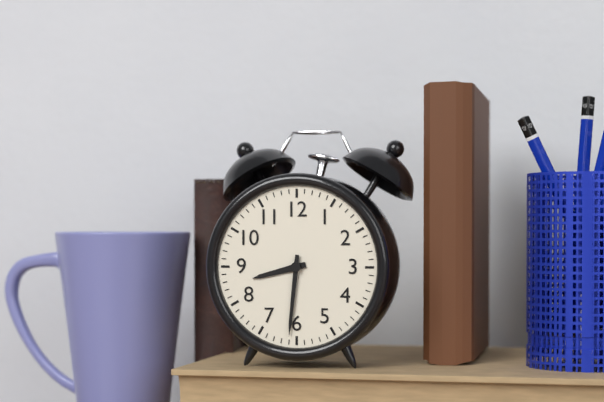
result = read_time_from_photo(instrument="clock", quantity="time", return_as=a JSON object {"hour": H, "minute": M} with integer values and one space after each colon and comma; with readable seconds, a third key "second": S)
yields {"hour": 8, "minute": 31}
